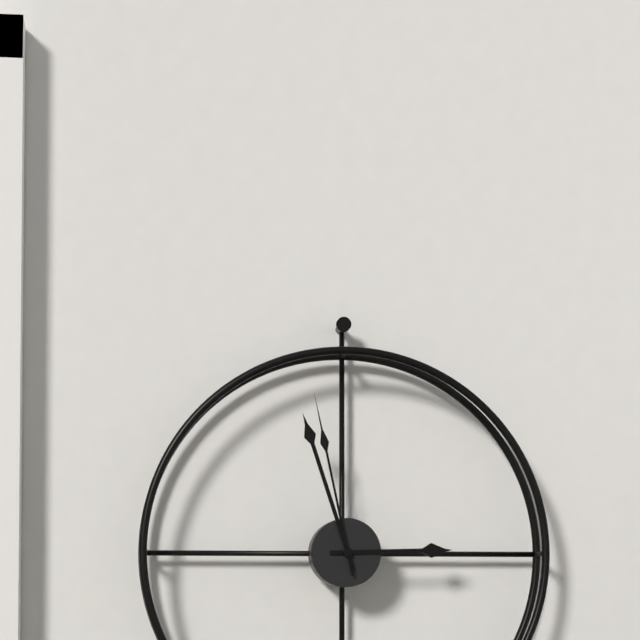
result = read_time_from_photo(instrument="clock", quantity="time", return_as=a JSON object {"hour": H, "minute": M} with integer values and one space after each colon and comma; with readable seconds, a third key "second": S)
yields {"hour": 2, "minute": 57, "second": 58}
